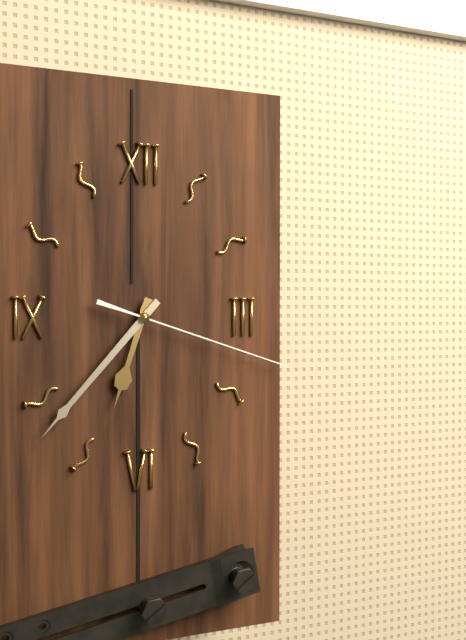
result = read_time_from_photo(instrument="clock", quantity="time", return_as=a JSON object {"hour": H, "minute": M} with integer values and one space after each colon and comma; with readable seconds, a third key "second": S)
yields {"hour": 6, "minute": 37, "second": 18}
